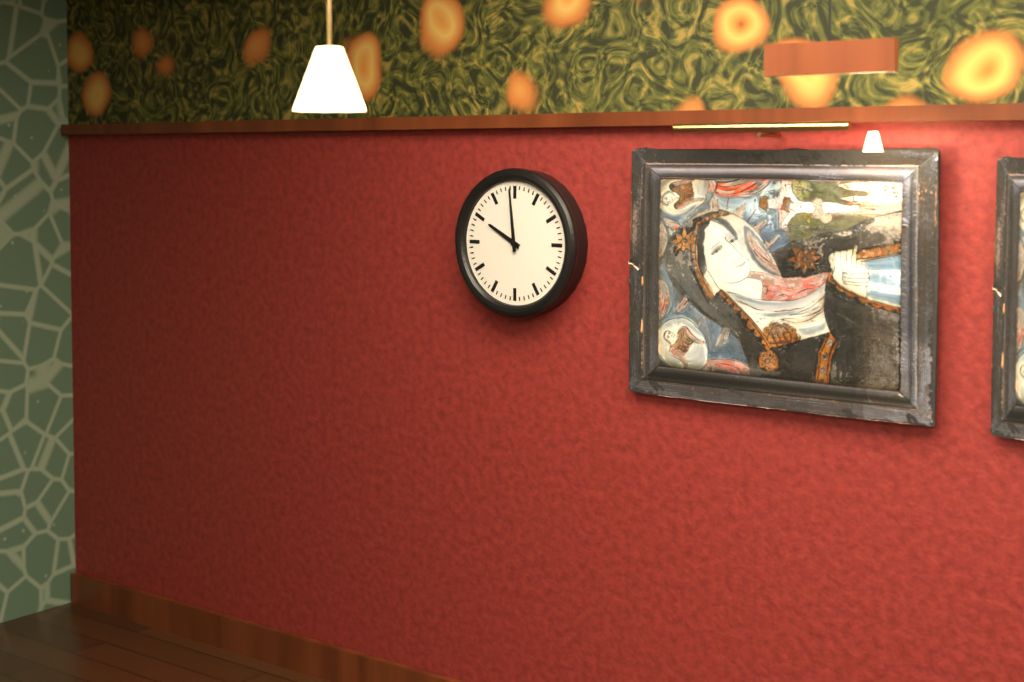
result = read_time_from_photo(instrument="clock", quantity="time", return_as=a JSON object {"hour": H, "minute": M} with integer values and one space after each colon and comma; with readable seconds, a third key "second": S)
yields {"hour": 9, "minute": 59}
